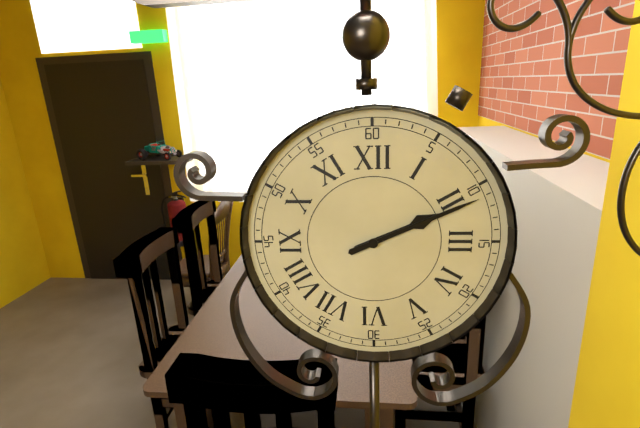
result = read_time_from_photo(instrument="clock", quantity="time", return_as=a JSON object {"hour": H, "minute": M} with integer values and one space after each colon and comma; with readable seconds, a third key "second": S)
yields {"hour": 2, "minute": 11}
